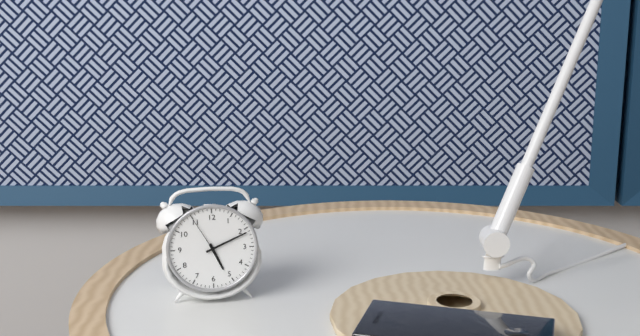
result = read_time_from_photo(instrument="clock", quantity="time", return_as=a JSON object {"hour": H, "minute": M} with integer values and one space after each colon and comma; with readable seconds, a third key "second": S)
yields {"hour": 5, "minute": 11}
